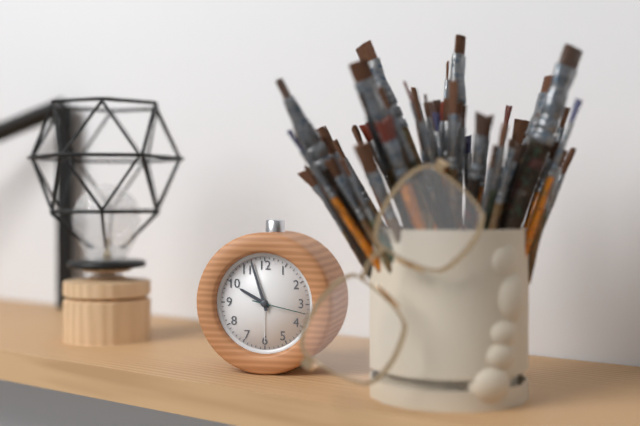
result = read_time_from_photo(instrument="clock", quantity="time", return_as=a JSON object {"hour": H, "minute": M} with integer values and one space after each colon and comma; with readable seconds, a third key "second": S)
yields {"hour": 9, "minute": 57, "second": 17}
